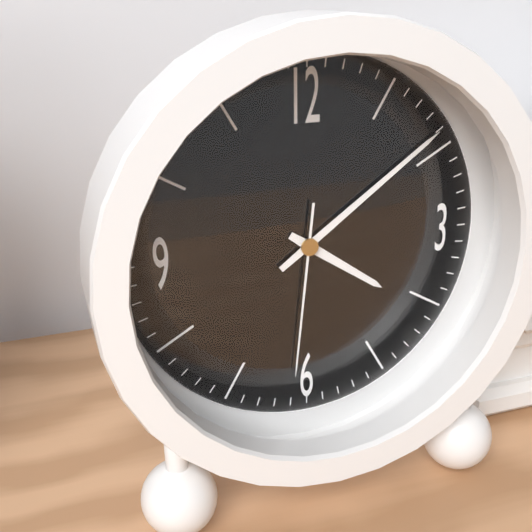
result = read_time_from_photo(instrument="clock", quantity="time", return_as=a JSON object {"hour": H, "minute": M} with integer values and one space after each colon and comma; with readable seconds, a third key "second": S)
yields {"hour": 4, "minute": 9, "second": 31}
